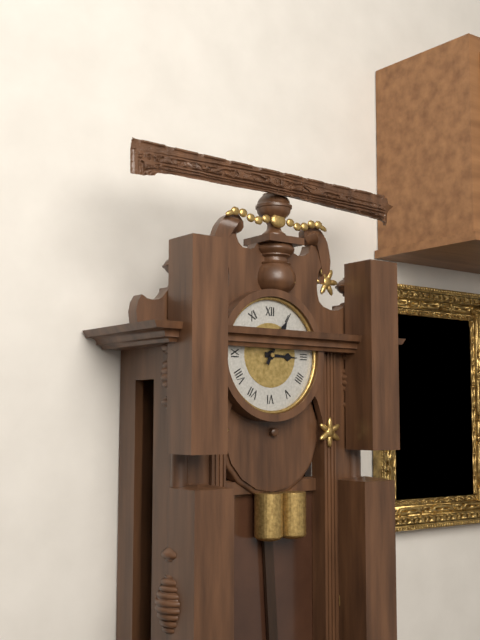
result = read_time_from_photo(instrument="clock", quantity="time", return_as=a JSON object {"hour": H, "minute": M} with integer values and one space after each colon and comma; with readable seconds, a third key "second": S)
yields {"hour": 3, "minute": 5}
